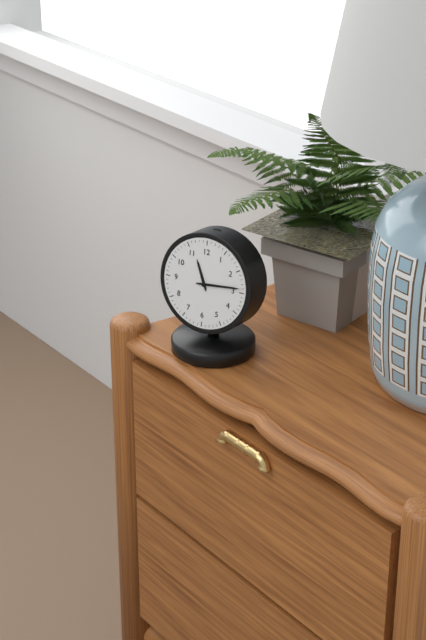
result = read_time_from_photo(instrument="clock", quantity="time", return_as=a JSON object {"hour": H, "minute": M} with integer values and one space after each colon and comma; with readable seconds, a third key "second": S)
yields {"hour": 11, "minute": 14}
